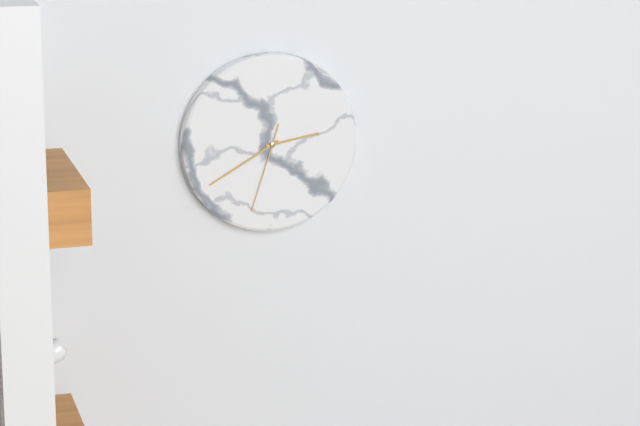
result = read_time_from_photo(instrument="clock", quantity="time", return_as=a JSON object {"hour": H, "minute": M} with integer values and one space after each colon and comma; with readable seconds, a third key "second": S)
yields {"hour": 2, "minute": 40, "second": 33}
